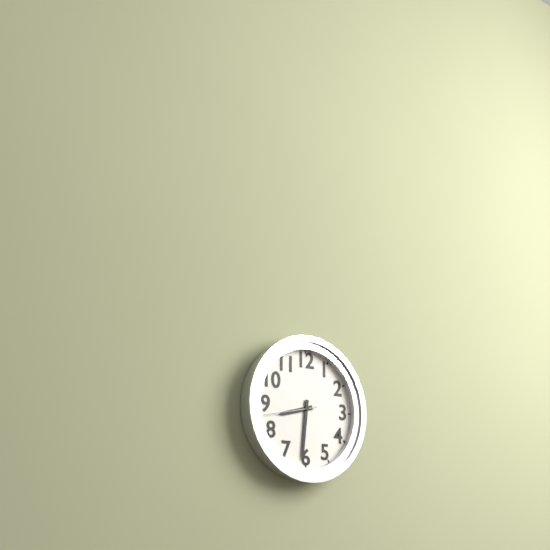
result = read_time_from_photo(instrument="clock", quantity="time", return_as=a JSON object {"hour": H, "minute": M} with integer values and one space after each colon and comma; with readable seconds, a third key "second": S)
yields {"hour": 8, "minute": 31}
